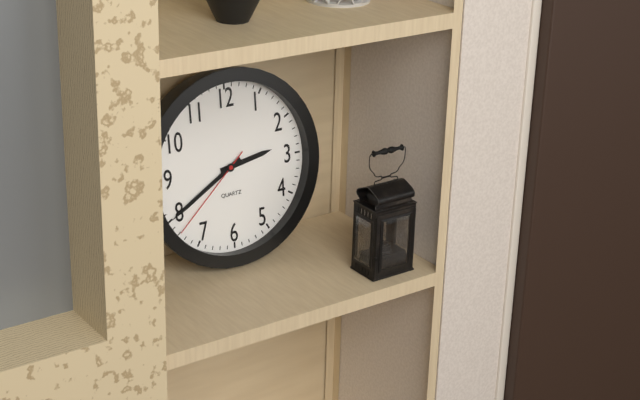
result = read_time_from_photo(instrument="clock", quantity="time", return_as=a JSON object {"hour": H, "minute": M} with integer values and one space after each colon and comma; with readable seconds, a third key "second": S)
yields {"hour": 2, "minute": 40, "second": 38}
